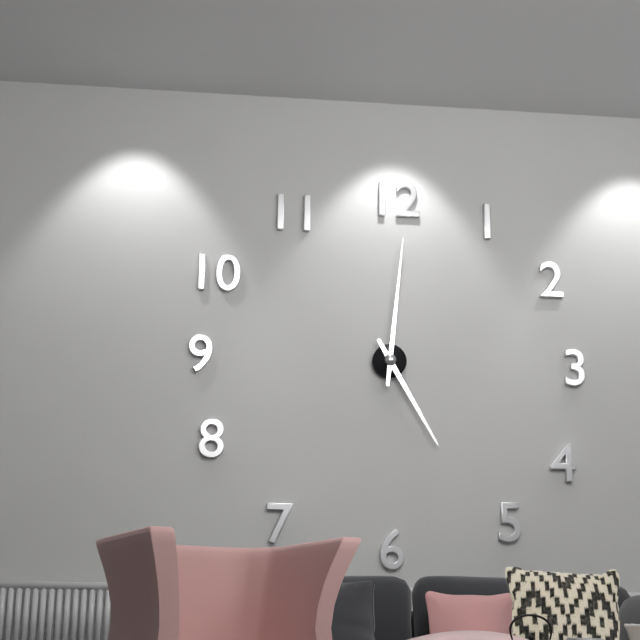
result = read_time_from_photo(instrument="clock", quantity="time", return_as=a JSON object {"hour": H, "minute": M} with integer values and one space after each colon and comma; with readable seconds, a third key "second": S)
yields {"hour": 5, "minute": 1}
